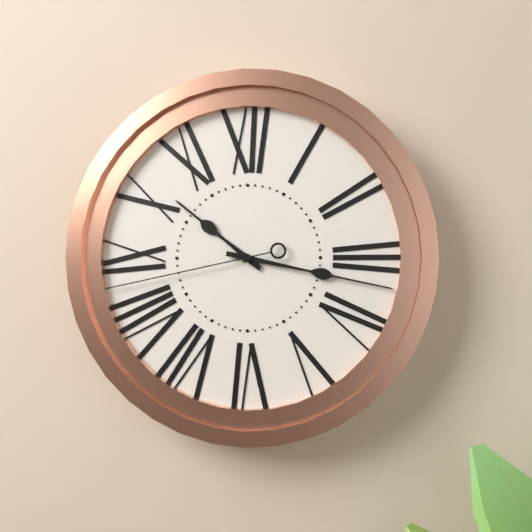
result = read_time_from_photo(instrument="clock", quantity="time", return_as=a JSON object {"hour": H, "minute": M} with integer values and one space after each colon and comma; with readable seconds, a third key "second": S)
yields {"hour": 10, "minute": 17, "second": 43}
